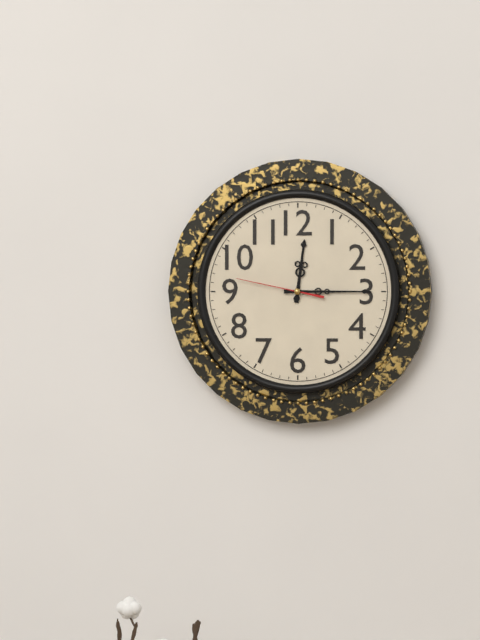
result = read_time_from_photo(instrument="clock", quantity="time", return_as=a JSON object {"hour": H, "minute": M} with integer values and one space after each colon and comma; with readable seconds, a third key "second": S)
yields {"hour": 12, "minute": 15, "second": 47}
